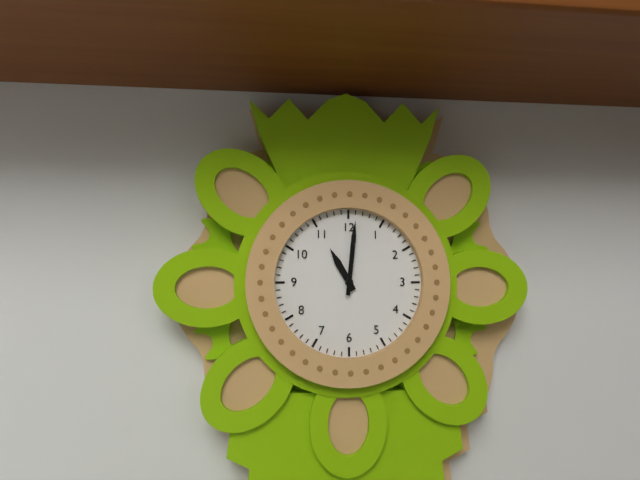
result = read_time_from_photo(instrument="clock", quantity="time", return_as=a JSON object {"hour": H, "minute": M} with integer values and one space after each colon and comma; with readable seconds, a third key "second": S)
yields {"hour": 11, "minute": 1}
